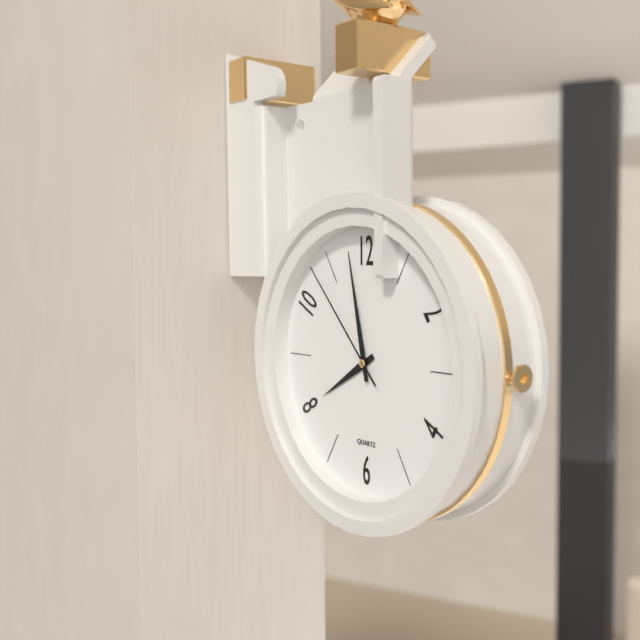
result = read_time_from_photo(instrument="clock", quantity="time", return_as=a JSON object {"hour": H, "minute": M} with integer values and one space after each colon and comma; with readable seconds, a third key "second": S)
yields {"hour": 7, "minute": 58, "second": 53}
